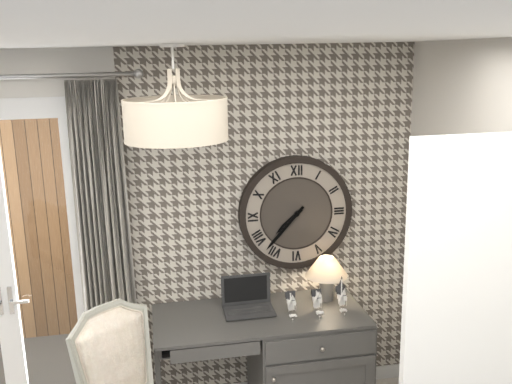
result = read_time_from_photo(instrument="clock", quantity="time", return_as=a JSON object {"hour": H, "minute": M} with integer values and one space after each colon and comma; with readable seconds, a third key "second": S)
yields {"hour": 7, "minute": 37}
